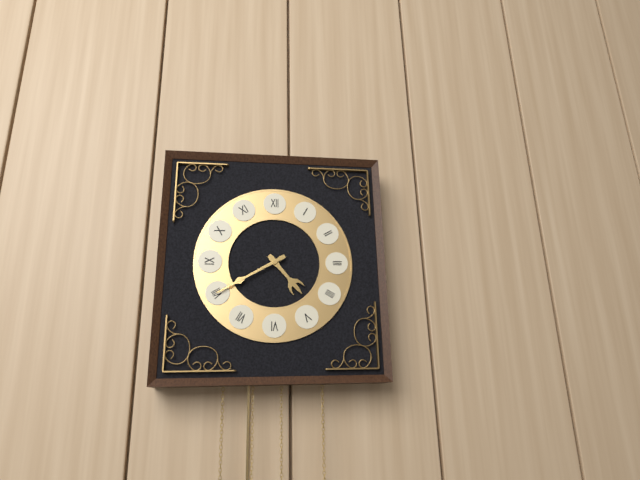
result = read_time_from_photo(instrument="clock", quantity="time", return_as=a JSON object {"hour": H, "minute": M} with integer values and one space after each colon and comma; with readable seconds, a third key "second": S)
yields {"hour": 4, "minute": 40}
